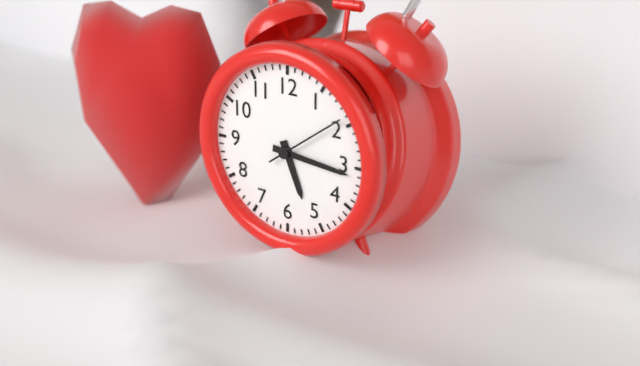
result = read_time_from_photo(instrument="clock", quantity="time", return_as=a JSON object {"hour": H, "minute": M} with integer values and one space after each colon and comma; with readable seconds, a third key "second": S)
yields {"hour": 5, "minute": 16, "second": 9}
